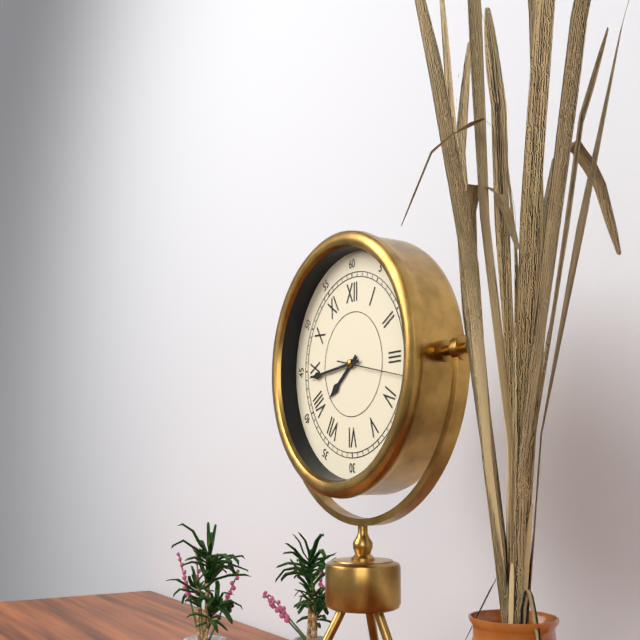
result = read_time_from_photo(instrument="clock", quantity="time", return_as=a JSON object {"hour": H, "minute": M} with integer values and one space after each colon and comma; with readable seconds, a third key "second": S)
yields {"hour": 7, "minute": 44, "second": 17}
